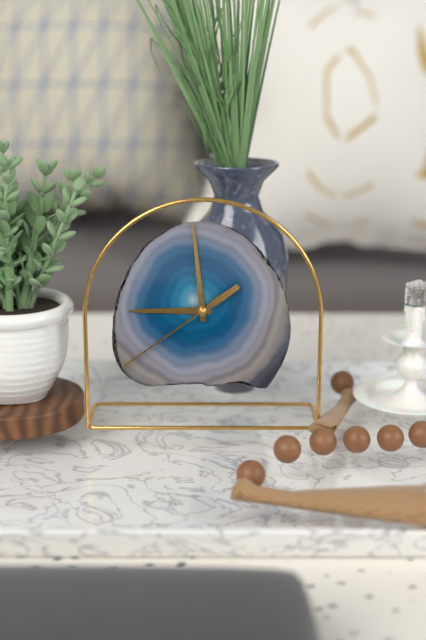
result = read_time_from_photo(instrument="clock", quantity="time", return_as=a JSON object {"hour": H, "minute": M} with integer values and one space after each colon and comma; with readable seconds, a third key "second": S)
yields {"hour": 8, "minute": 59, "second": 39}
